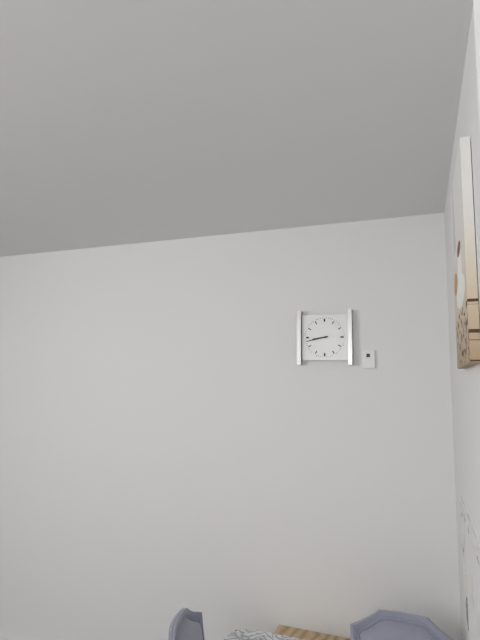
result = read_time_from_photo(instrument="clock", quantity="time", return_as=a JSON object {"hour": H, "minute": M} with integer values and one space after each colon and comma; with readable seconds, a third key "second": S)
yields {"hour": 8, "minute": 43}
